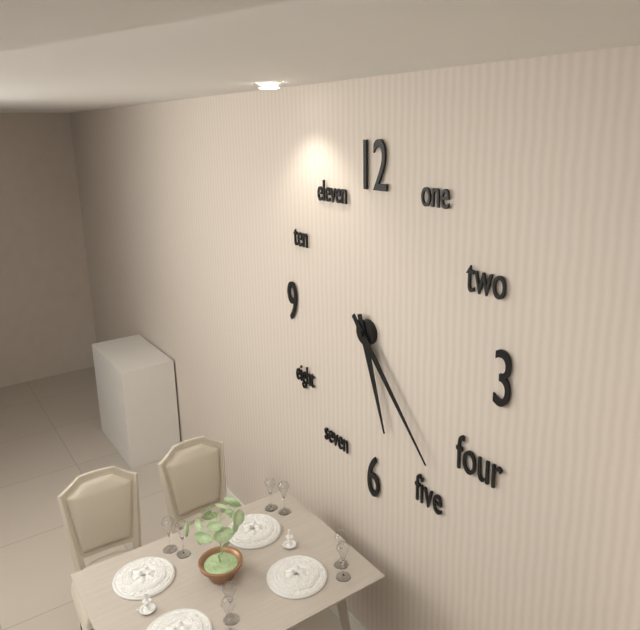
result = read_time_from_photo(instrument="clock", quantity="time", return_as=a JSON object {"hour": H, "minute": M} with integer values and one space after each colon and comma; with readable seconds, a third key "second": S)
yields {"hour": 5, "minute": 23}
